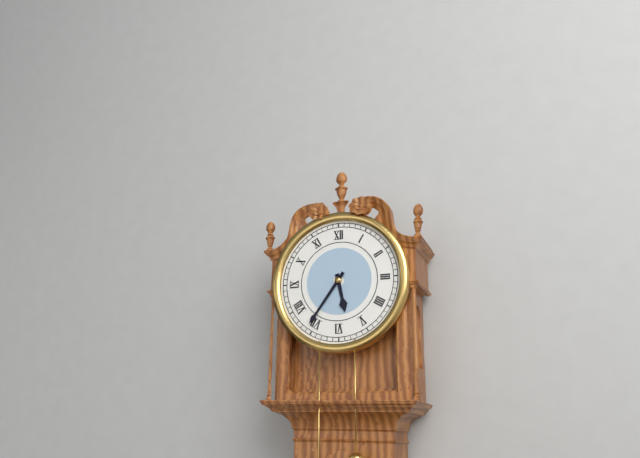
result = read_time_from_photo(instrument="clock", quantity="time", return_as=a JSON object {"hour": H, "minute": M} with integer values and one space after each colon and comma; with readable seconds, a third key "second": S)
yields {"hour": 5, "minute": 36}
